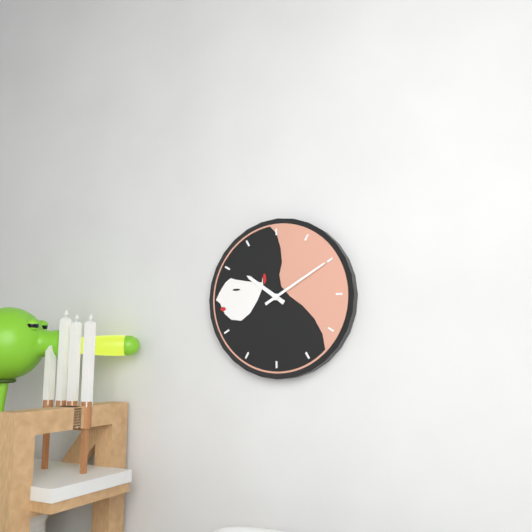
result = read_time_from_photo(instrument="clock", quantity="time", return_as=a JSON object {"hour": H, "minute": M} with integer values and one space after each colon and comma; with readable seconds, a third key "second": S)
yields {"hour": 10, "minute": 10}
